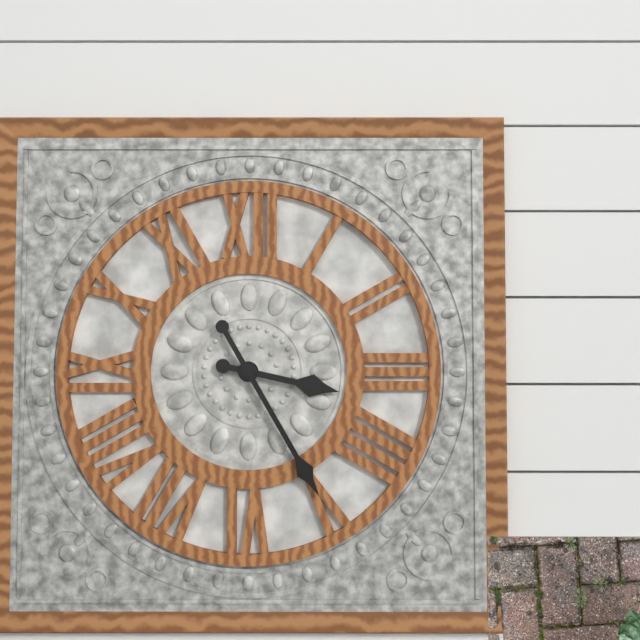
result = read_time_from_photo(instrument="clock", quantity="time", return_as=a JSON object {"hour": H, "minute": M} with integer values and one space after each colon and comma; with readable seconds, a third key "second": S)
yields {"hour": 3, "minute": 25}
